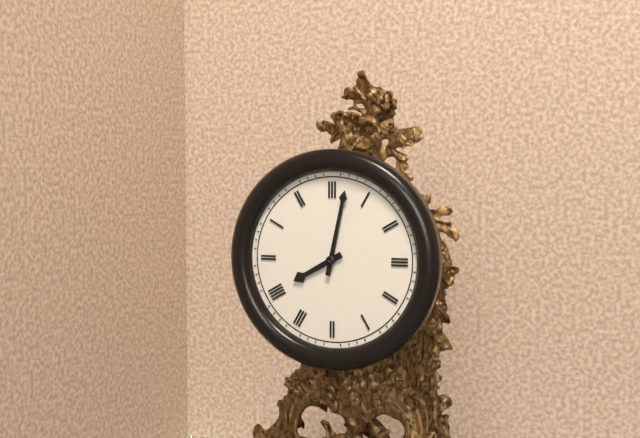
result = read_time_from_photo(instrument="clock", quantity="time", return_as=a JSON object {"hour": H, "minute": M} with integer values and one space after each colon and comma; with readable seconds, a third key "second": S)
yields {"hour": 8, "minute": 2}
